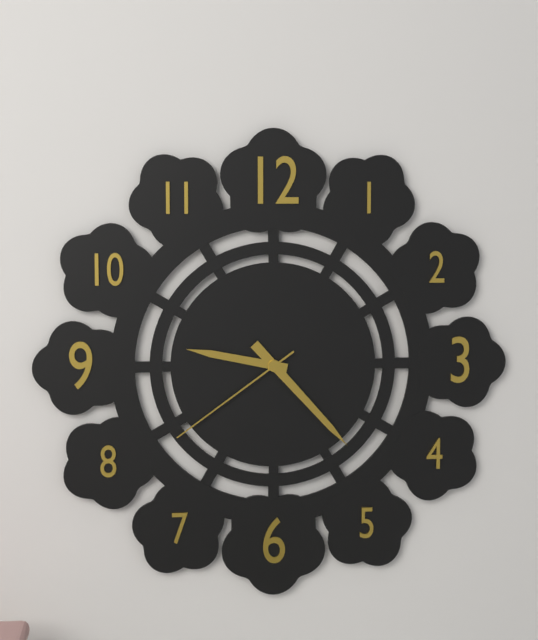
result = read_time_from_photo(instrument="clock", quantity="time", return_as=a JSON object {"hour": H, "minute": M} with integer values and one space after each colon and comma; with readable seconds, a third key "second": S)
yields {"hour": 9, "minute": 23, "second": 39}
